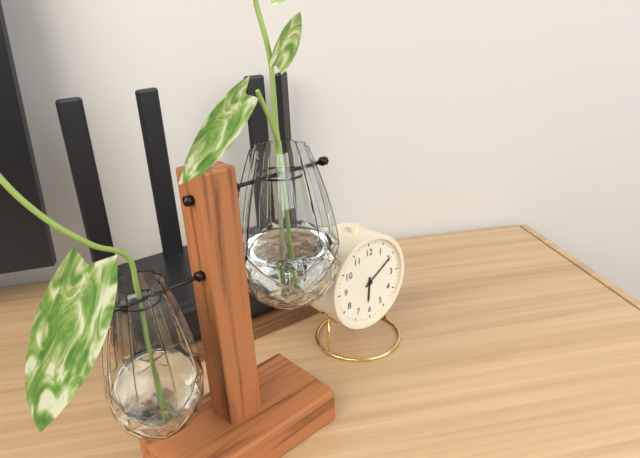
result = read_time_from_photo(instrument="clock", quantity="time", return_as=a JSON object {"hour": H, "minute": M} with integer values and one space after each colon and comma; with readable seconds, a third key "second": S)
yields {"hour": 6, "minute": 10}
